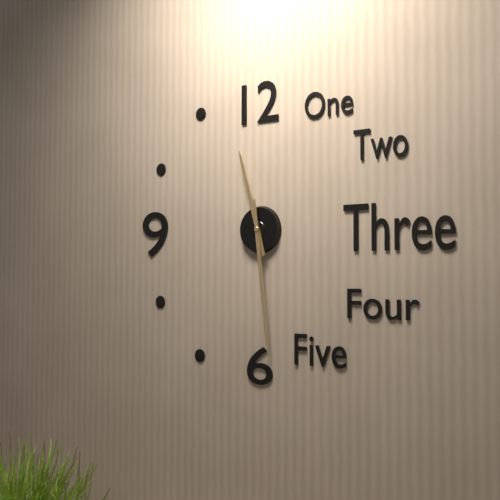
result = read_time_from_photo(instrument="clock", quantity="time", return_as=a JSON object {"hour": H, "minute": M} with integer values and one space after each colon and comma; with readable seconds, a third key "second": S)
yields {"hour": 11, "minute": 29}
